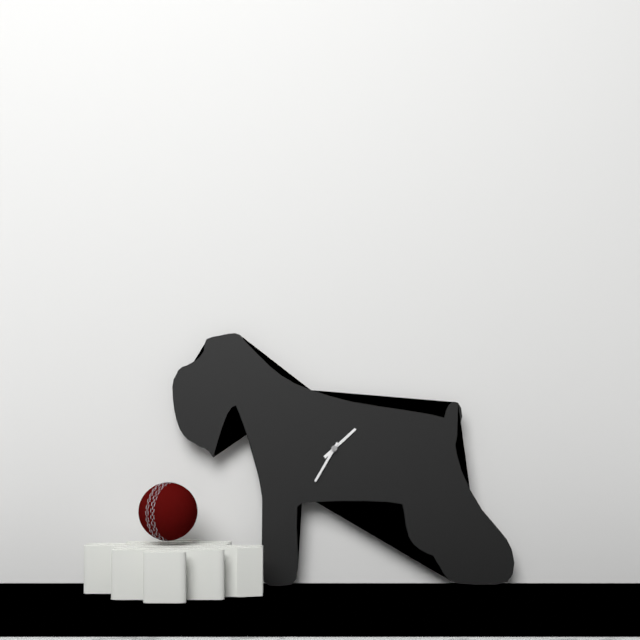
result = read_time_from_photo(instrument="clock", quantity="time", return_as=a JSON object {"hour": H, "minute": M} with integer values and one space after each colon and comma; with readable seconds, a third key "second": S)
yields {"hour": 1, "minute": 35}
